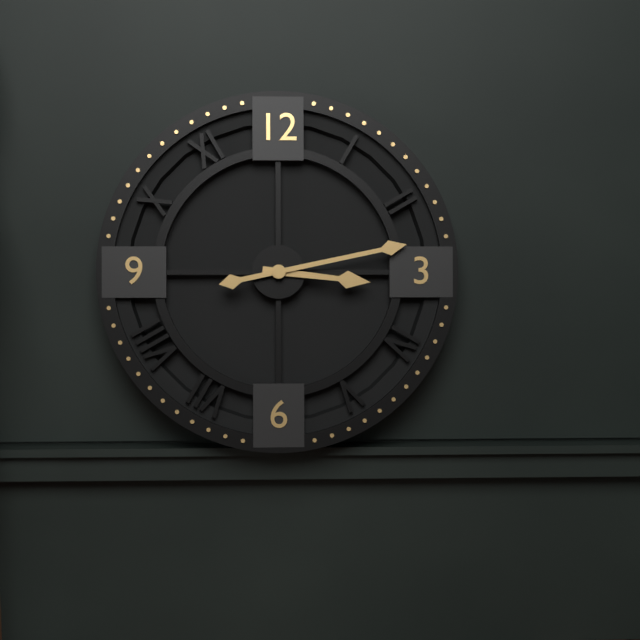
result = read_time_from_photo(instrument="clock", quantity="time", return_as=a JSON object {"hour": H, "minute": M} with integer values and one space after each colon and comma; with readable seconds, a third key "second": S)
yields {"hour": 3, "minute": 13}
